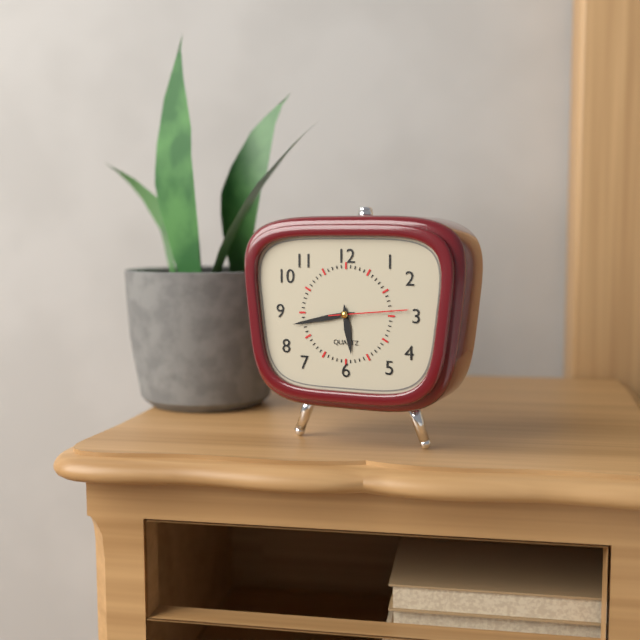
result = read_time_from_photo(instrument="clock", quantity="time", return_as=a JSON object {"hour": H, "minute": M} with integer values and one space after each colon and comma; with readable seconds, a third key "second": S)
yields {"hour": 5, "minute": 43, "second": 14}
